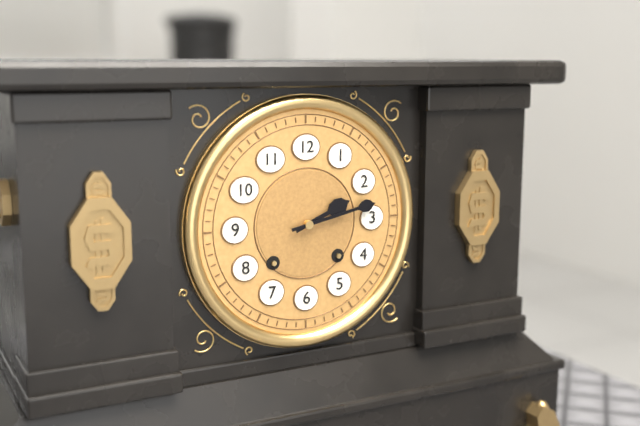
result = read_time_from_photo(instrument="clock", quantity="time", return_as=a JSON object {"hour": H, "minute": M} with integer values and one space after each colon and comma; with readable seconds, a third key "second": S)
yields {"hour": 2, "minute": 13}
